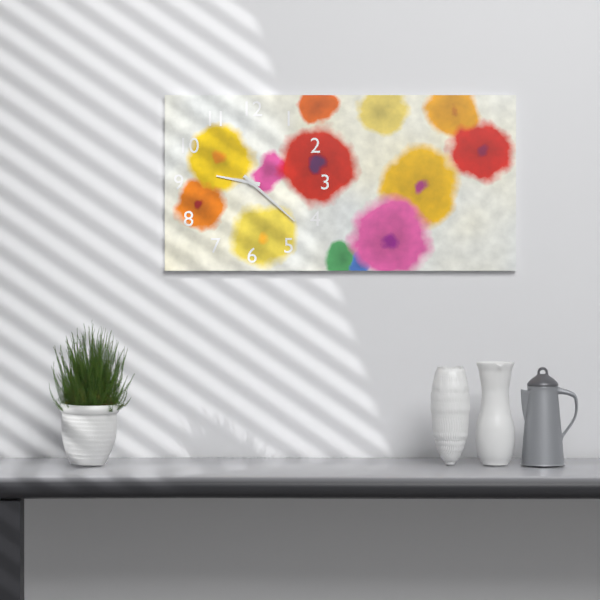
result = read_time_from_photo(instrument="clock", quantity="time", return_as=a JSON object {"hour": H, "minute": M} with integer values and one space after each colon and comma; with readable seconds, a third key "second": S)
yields {"hour": 9, "minute": 22}
